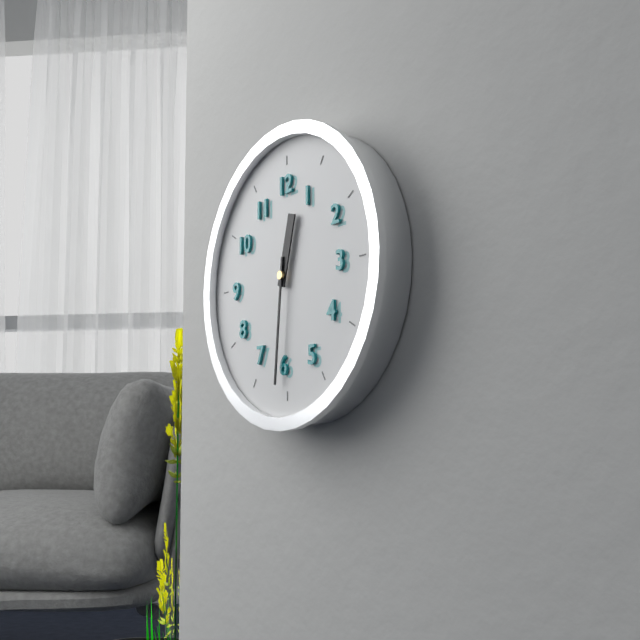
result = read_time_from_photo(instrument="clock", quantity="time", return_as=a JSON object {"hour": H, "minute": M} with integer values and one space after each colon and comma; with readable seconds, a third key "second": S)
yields {"hour": 12, "minute": 31}
